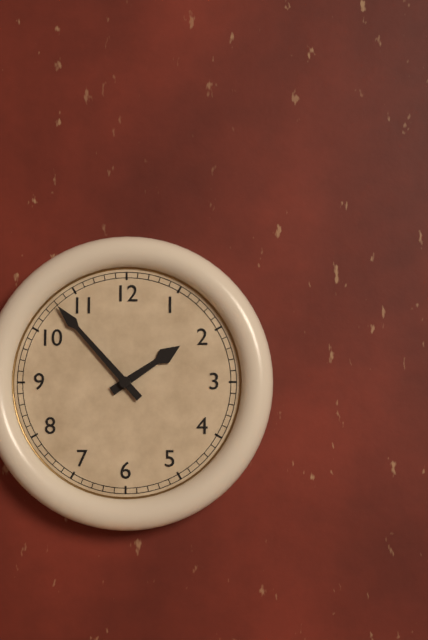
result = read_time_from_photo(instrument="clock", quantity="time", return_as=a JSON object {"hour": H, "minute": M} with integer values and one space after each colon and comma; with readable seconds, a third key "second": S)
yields {"hour": 1, "minute": 53}
